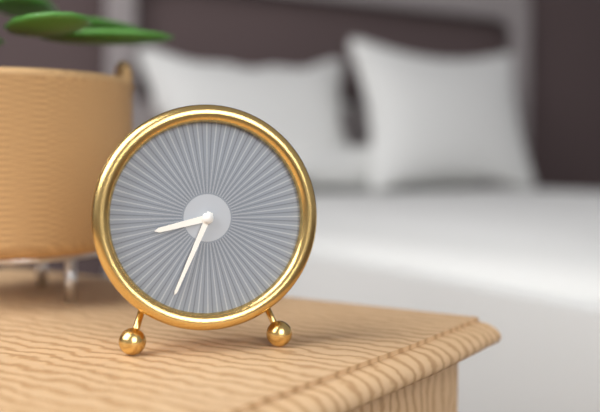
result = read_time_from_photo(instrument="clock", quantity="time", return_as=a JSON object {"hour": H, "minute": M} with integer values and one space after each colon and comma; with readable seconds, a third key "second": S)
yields {"hour": 8, "minute": 34}
